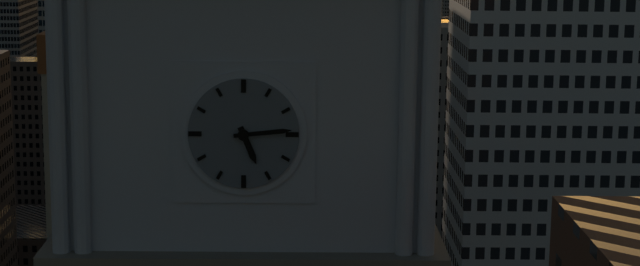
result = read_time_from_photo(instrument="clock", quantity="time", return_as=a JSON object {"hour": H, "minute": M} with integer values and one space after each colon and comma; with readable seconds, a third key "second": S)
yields {"hour": 5, "minute": 14}
